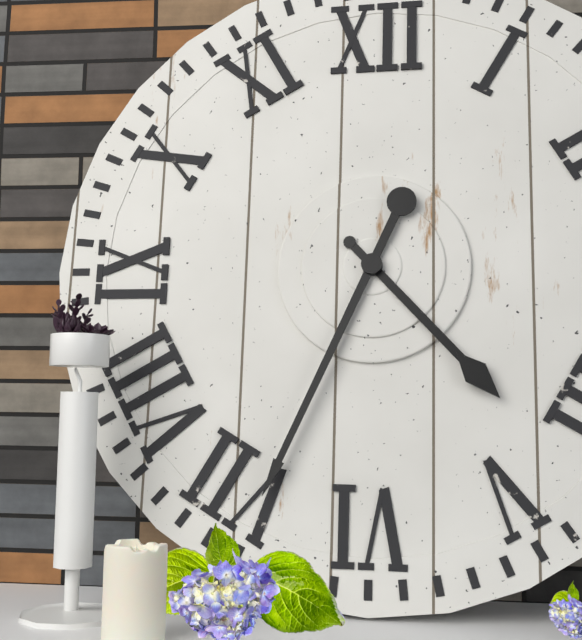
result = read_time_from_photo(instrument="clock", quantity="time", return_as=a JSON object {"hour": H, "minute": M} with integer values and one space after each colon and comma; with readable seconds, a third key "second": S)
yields {"hour": 4, "minute": 34}
